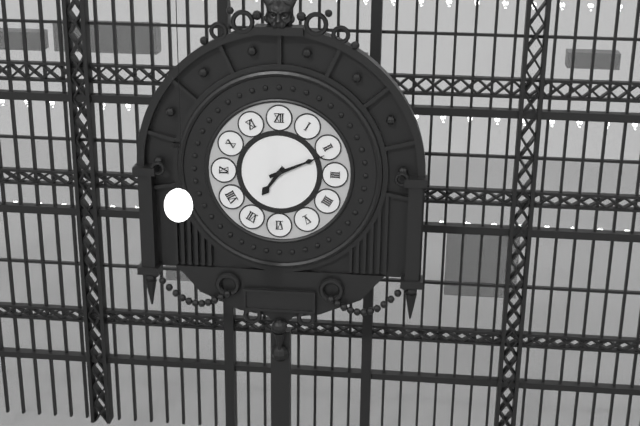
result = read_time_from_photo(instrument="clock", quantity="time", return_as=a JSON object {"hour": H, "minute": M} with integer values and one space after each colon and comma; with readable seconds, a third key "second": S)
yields {"hour": 7, "minute": 11}
